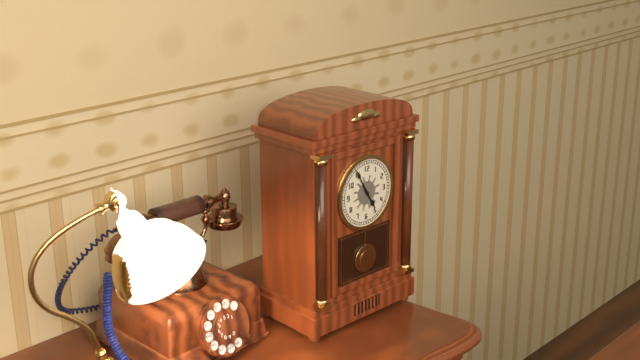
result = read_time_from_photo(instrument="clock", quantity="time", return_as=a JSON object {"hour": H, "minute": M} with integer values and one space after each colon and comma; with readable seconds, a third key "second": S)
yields {"hour": 4, "minute": 55}
